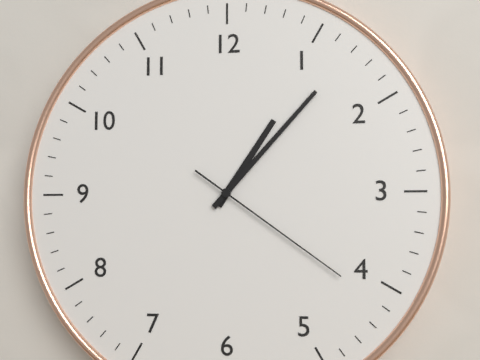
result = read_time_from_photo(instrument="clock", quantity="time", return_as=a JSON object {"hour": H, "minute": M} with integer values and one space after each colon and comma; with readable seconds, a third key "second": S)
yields {"hour": 1, "minute": 7, "second": 21}
